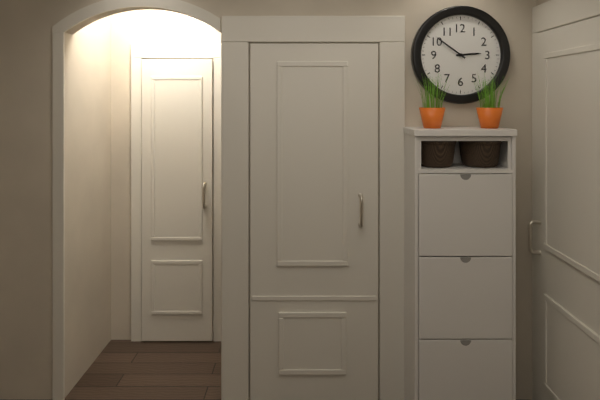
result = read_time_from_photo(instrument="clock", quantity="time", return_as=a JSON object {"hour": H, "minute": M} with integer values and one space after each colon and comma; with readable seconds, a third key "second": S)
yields {"hour": 2, "minute": 51}
